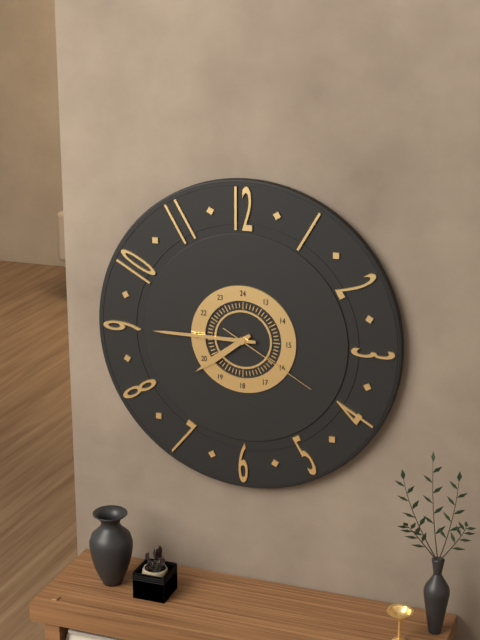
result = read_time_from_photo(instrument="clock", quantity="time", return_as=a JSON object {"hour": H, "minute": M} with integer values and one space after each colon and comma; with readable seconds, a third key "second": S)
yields {"hour": 7, "minute": 45, "second": 20}
